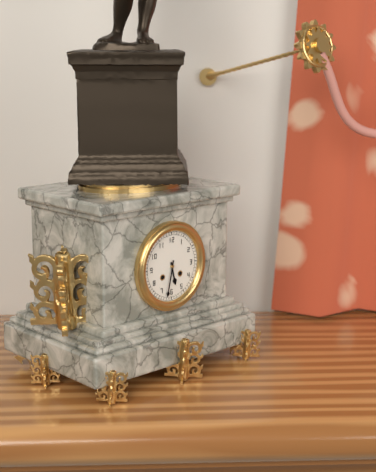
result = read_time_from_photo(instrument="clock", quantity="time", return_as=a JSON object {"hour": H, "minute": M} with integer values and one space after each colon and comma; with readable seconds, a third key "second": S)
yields {"hour": 5, "minute": 32}
